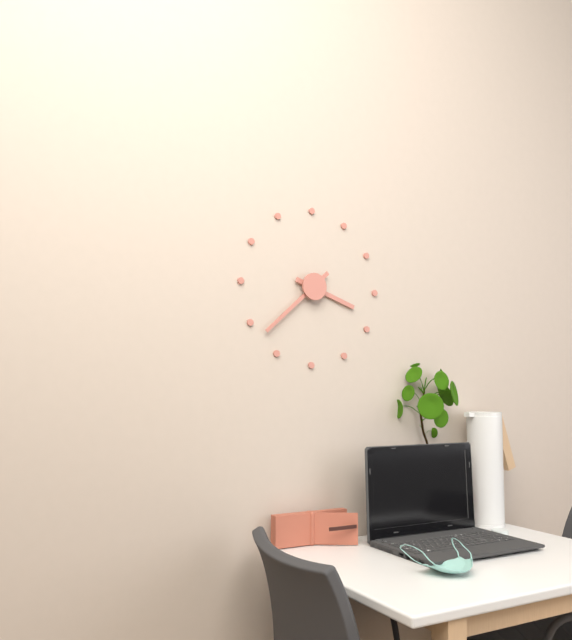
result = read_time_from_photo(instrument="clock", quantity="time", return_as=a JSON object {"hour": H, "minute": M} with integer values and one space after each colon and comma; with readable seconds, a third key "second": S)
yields {"hour": 3, "minute": 38}
